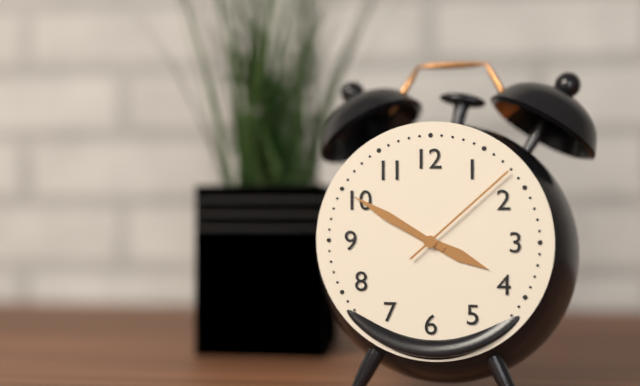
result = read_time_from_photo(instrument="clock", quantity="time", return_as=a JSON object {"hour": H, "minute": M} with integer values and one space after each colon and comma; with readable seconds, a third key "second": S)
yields {"hour": 3, "minute": 50, "second": 8}
